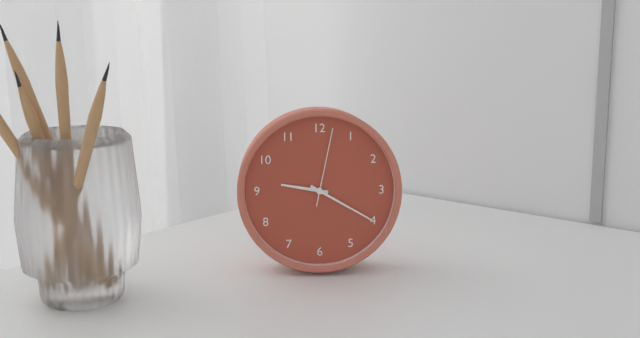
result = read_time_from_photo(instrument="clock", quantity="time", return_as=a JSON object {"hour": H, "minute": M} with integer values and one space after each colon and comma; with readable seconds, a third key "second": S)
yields {"hour": 9, "minute": 20, "second": 2}
